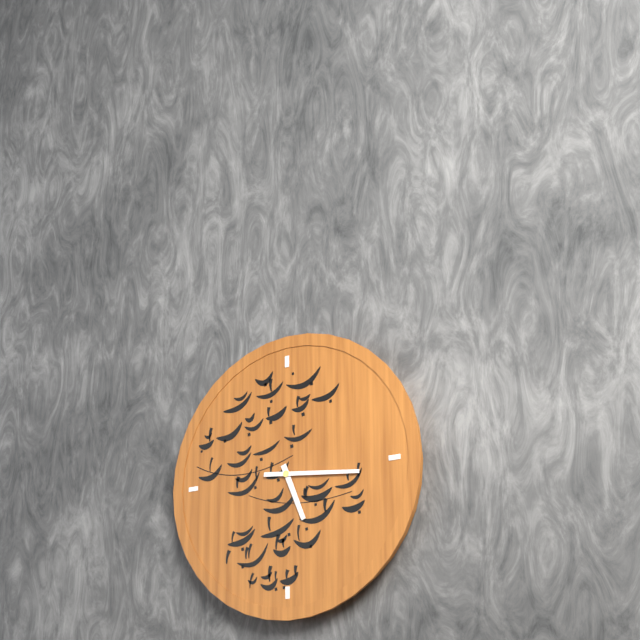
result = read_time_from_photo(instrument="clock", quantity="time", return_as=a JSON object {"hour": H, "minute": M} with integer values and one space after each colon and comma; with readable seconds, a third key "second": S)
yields {"hour": 5, "minute": 16}
